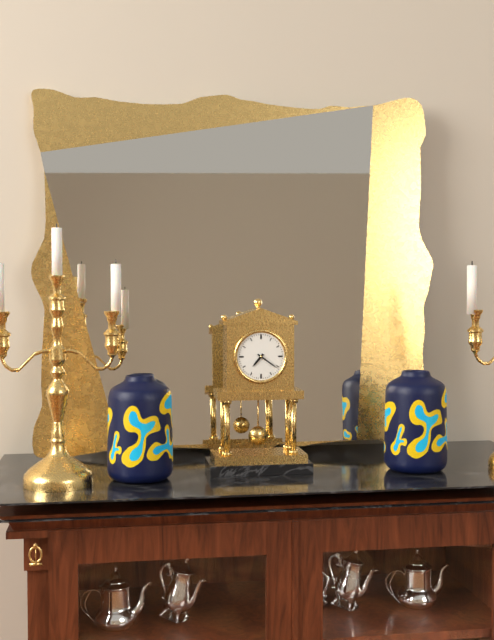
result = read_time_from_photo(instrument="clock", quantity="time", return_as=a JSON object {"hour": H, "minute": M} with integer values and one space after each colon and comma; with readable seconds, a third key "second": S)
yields {"hour": 7, "minute": 21}
